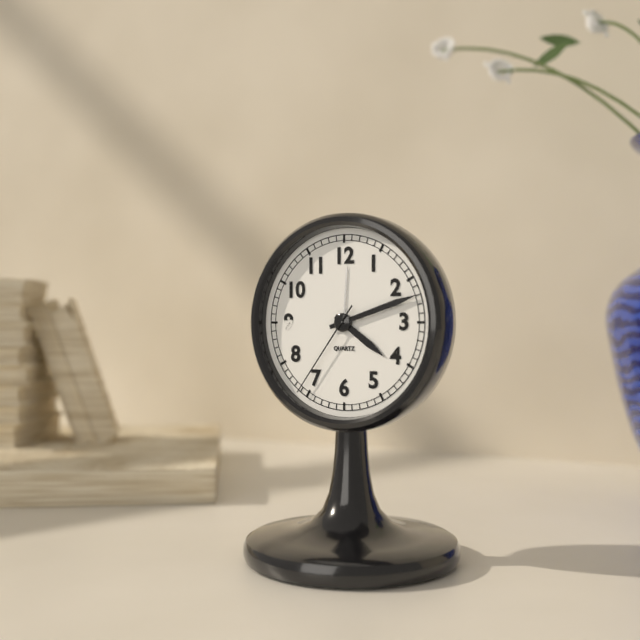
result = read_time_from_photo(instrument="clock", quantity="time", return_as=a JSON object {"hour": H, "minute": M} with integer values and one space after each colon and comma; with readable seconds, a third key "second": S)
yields {"hour": 4, "minute": 12, "second": 36}
